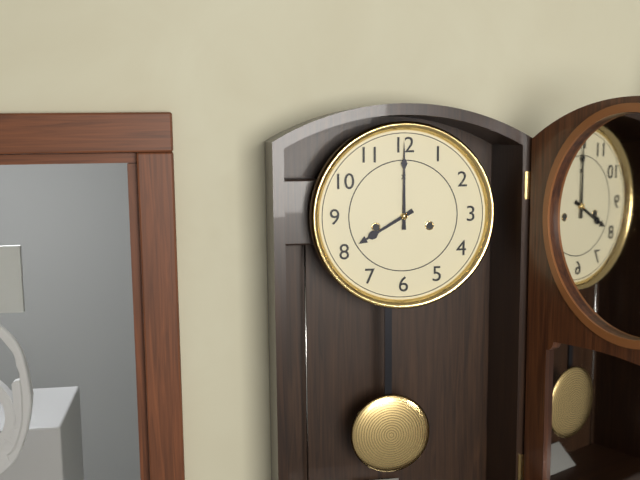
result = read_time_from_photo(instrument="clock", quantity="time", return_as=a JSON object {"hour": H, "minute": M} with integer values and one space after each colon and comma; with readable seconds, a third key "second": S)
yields {"hour": 8, "minute": 0}
